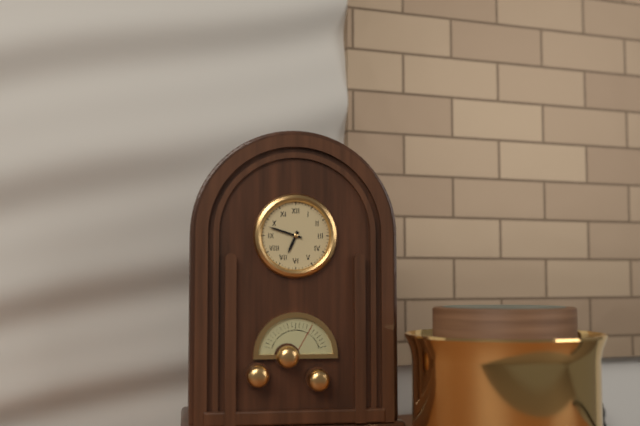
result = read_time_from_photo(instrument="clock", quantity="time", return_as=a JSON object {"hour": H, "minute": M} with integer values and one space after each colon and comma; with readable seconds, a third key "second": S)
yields {"hour": 6, "minute": 48}
